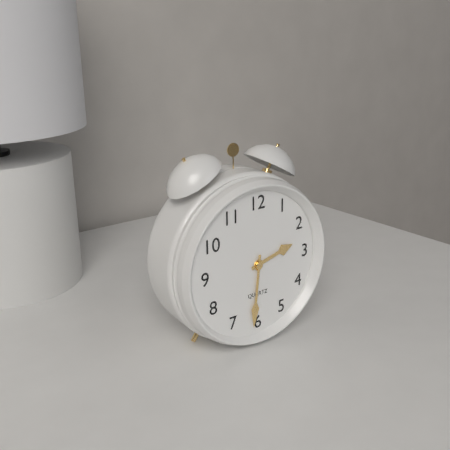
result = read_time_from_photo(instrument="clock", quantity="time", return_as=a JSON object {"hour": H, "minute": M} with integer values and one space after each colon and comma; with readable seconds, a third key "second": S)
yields {"hour": 2, "minute": 31}
